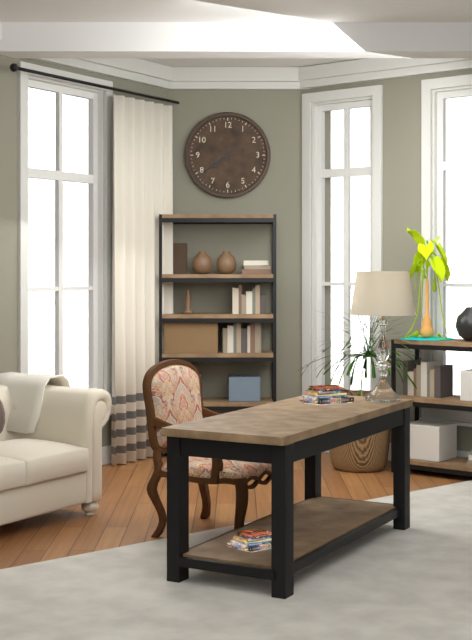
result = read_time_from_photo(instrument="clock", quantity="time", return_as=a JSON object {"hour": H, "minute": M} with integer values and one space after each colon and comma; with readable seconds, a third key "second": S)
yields {"hour": 7, "minute": 39}
